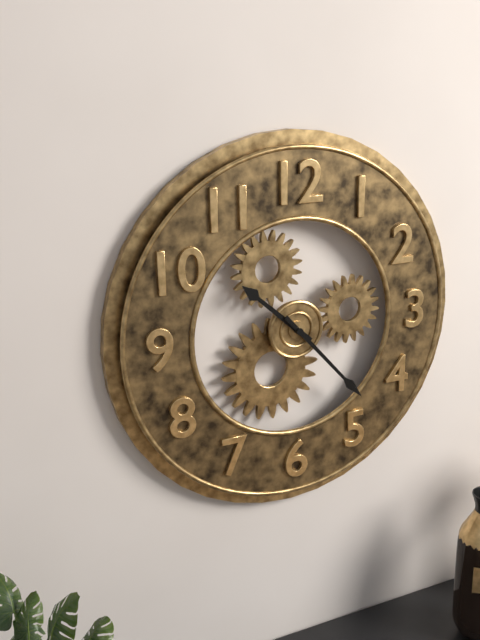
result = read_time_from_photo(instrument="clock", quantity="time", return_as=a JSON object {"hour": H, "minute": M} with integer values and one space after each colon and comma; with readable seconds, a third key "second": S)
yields {"hour": 10, "minute": 23}
